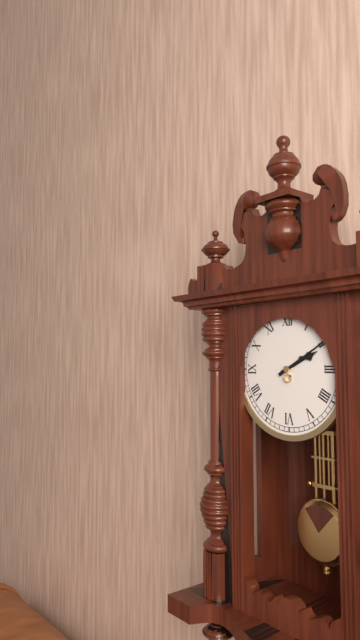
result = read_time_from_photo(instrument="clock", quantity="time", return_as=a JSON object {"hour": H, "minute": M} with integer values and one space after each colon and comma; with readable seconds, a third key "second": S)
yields {"hour": 2, "minute": 10}
